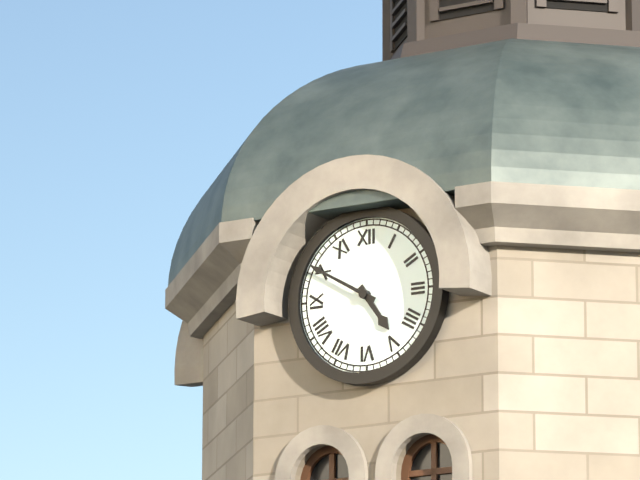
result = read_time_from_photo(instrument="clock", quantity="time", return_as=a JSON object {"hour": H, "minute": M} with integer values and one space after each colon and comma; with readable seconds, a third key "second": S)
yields {"hour": 4, "minute": 50}
